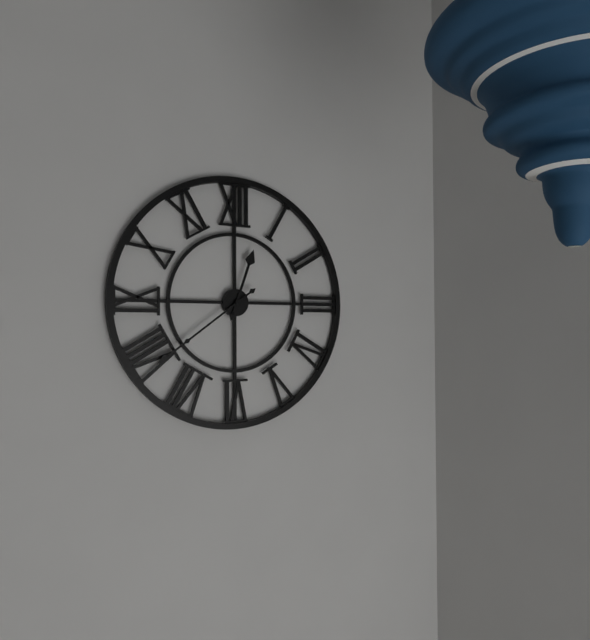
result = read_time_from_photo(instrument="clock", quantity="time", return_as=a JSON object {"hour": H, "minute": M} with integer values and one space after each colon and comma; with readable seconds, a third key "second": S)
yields {"hour": 12, "minute": 39}
